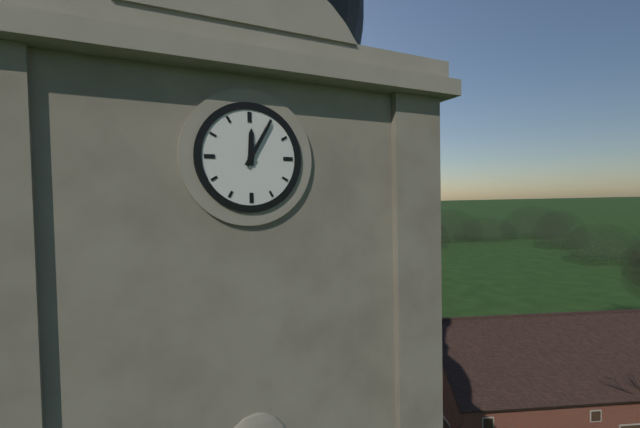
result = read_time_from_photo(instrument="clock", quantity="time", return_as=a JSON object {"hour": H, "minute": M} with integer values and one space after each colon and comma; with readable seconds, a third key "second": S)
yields {"hour": 12, "minute": 5}
